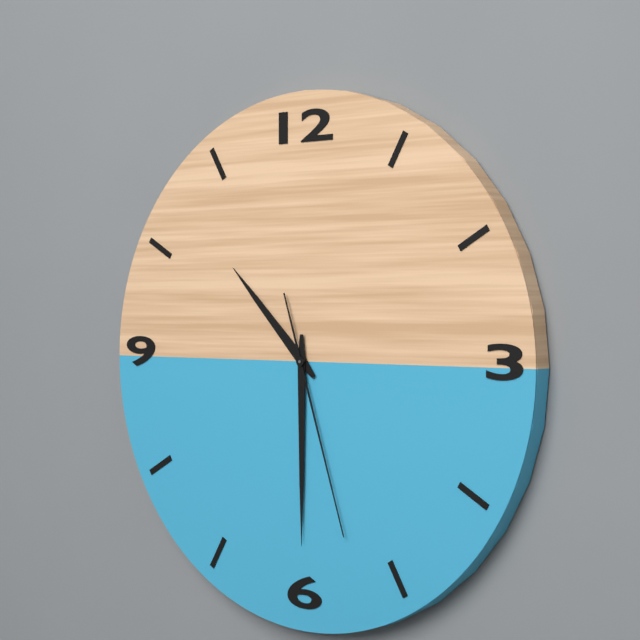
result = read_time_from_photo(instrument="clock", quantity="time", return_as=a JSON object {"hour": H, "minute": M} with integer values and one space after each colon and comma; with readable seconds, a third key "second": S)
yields {"hour": 10, "minute": 30, "second": 27}
